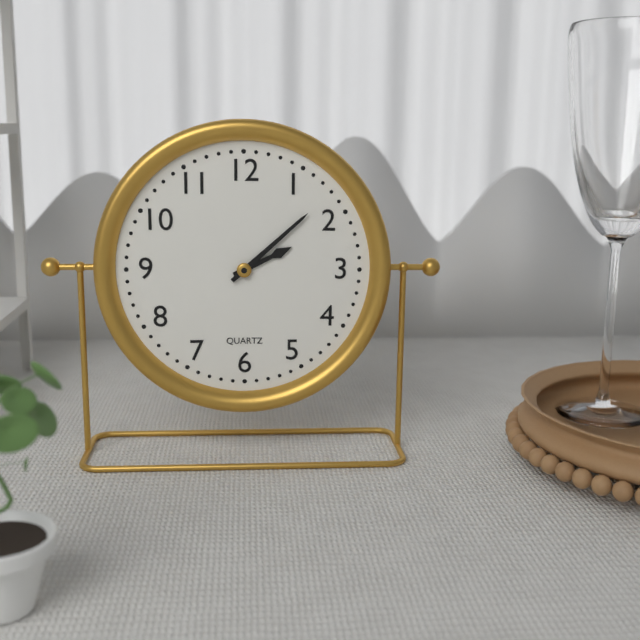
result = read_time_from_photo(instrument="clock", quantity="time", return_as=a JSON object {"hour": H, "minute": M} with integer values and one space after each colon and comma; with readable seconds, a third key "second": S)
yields {"hour": 2, "minute": 8}
